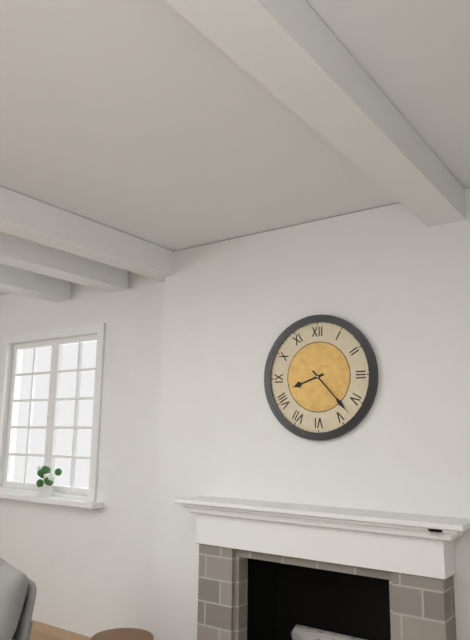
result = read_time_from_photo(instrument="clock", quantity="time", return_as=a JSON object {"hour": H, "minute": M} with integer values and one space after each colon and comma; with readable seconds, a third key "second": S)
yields {"hour": 8, "minute": 23}
